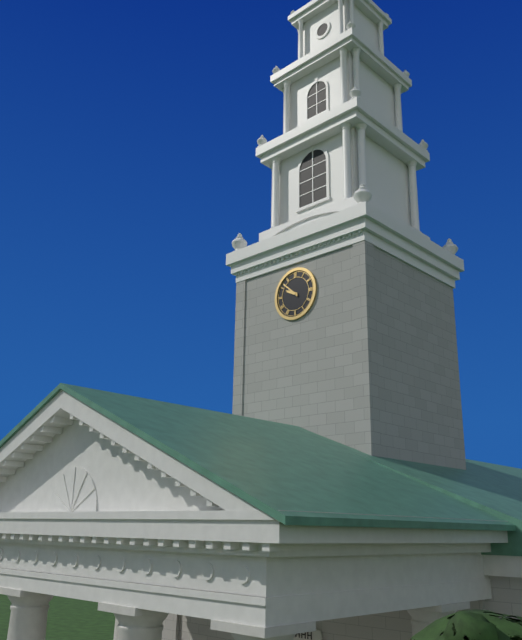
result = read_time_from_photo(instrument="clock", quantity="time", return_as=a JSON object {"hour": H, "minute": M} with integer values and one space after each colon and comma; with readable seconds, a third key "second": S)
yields {"hour": 9, "minute": 52}
